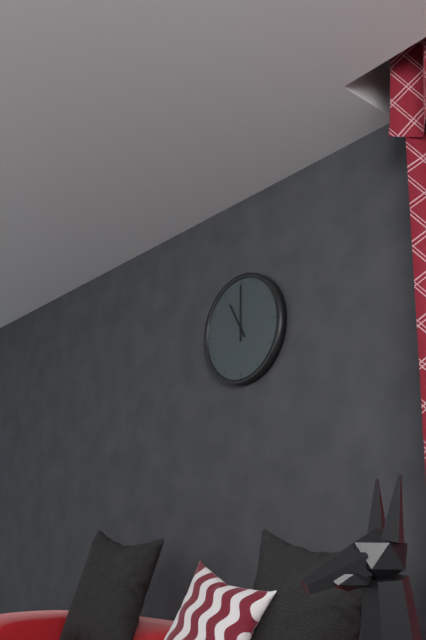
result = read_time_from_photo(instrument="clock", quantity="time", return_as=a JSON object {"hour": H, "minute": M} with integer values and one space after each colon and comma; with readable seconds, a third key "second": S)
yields {"hour": 11, "minute": 0}
